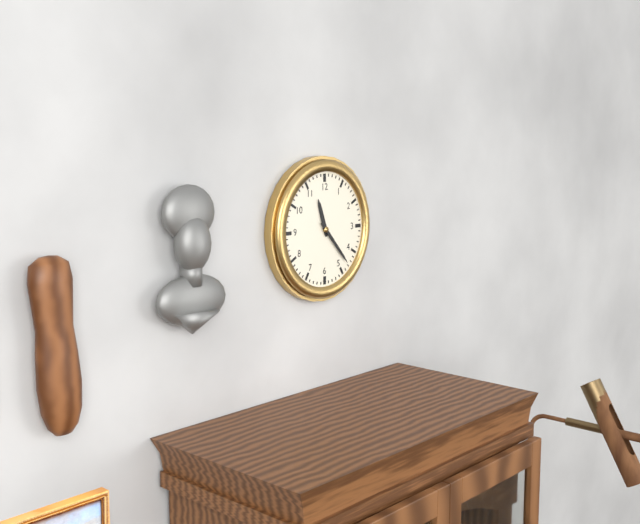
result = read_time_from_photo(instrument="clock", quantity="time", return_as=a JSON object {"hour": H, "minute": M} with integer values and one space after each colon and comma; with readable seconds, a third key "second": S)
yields {"hour": 11, "minute": 23}
